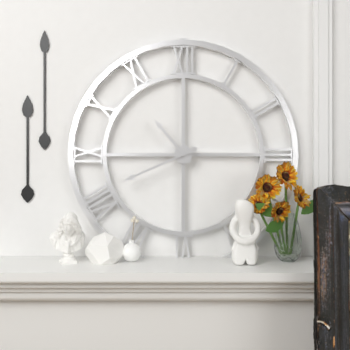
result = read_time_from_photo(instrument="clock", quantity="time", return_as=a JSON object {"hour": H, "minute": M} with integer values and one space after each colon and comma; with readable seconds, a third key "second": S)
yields {"hour": 10, "minute": 41}
